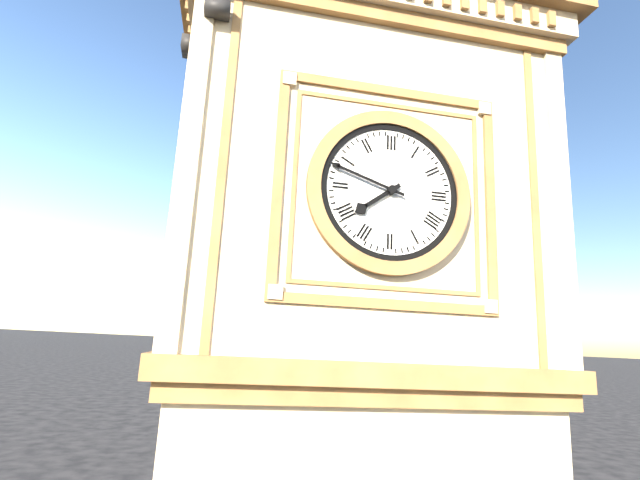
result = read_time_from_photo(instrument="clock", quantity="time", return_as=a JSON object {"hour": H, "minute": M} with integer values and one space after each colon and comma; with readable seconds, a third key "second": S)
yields {"hour": 7, "minute": 48}
